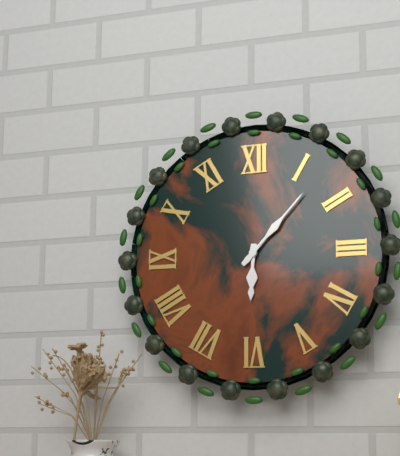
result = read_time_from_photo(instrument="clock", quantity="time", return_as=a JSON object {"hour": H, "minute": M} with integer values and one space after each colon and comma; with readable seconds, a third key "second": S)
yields {"hour": 6, "minute": 7}
